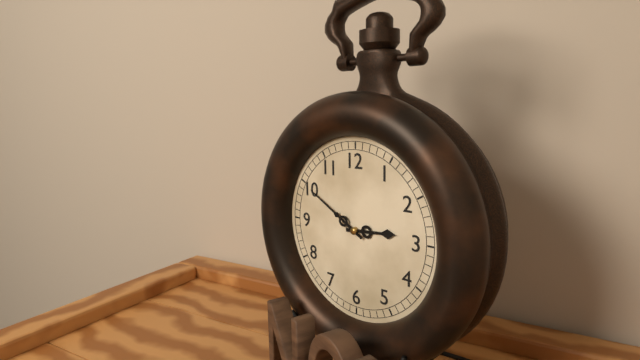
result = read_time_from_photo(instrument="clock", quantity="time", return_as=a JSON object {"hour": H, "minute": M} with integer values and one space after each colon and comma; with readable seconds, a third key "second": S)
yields {"hour": 2, "minute": 50}
